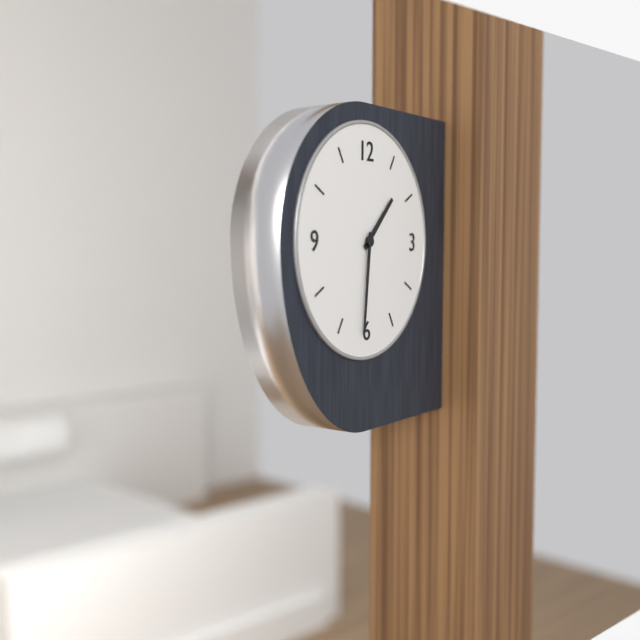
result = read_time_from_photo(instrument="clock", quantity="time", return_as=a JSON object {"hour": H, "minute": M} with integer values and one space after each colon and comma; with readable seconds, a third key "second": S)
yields {"hour": 1, "minute": 31}
